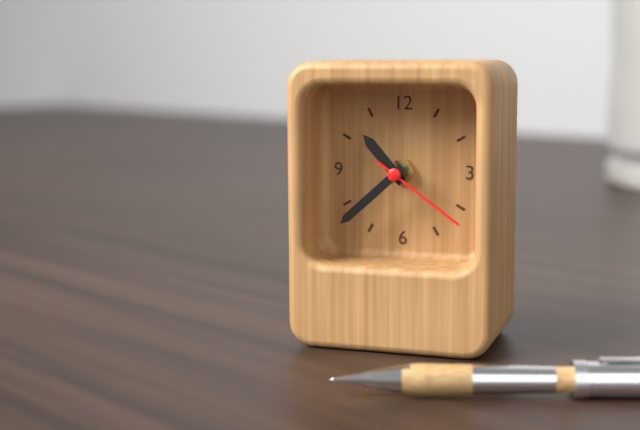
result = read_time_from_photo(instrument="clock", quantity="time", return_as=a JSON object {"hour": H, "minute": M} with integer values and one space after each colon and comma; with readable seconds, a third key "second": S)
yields {"hour": 10, "minute": 38, "second": 21}
